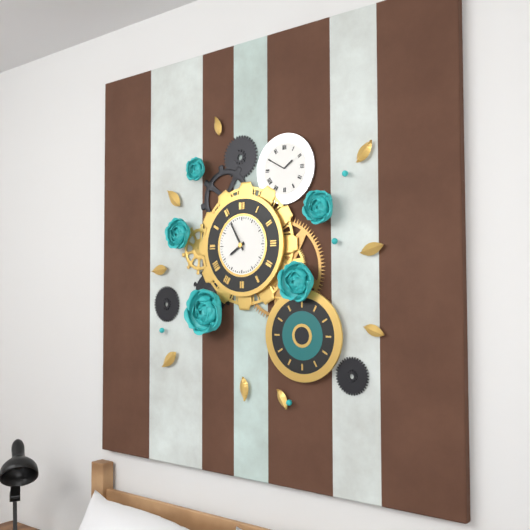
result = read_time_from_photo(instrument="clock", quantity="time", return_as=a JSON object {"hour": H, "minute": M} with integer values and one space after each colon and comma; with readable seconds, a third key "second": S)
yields {"hour": 7, "minute": 55}
